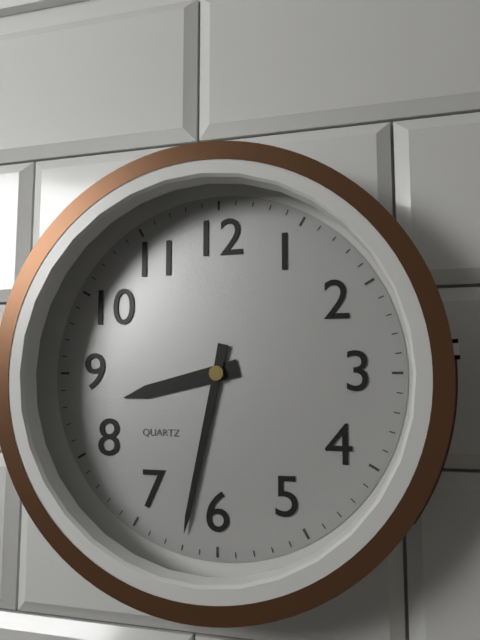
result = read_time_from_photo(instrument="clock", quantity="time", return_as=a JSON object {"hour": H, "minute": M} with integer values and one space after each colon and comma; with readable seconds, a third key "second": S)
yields {"hour": 8, "minute": 32}
